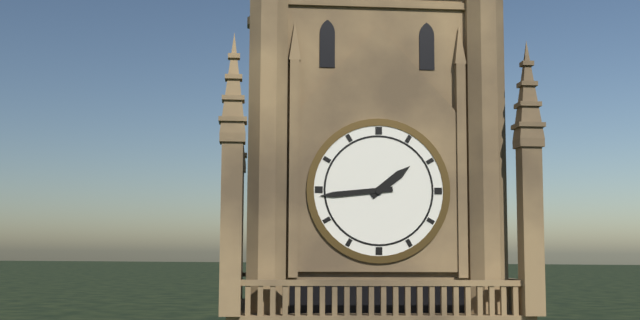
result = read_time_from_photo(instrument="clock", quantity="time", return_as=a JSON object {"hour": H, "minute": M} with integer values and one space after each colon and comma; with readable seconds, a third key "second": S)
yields {"hour": 1, "minute": 44}
